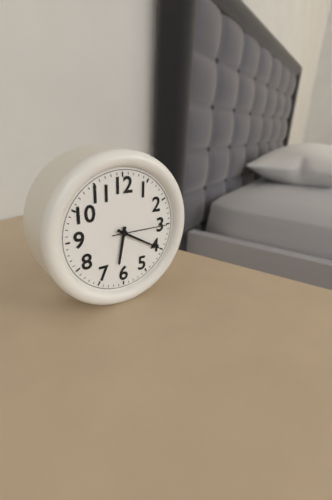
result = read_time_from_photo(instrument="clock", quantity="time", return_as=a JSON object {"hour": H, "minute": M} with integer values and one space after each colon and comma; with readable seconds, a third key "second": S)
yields {"hour": 6, "minute": 20, "second": 15}
